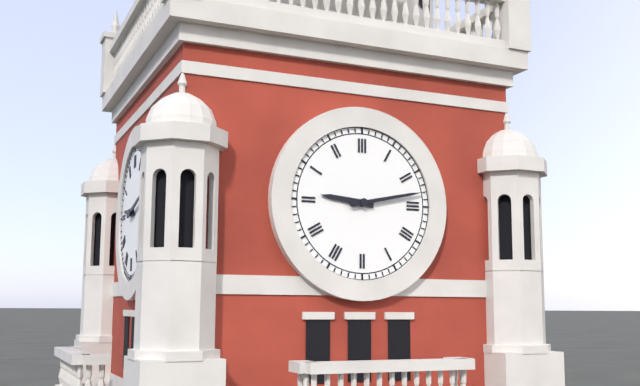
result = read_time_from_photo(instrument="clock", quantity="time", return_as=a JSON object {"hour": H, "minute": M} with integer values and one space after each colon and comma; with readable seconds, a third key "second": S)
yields {"hour": 9, "minute": 13}
